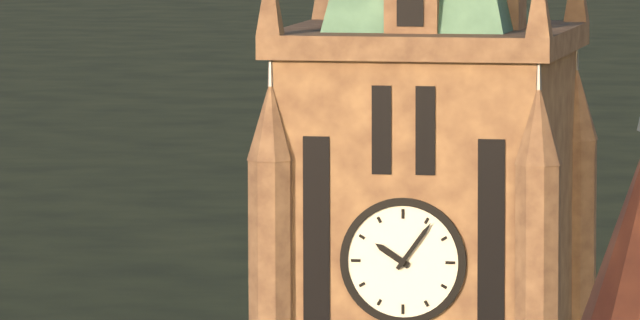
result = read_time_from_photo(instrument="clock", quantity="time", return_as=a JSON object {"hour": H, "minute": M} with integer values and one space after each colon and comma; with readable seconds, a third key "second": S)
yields {"hour": 10, "minute": 6}
